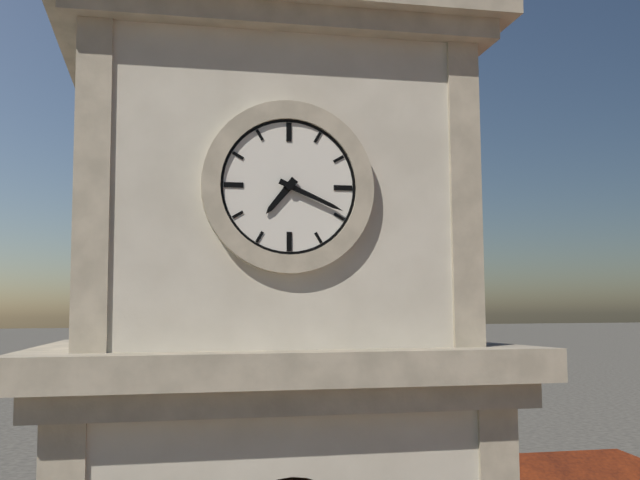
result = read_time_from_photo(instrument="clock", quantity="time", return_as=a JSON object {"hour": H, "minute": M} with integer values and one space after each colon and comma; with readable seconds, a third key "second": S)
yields {"hour": 7, "minute": 19}
